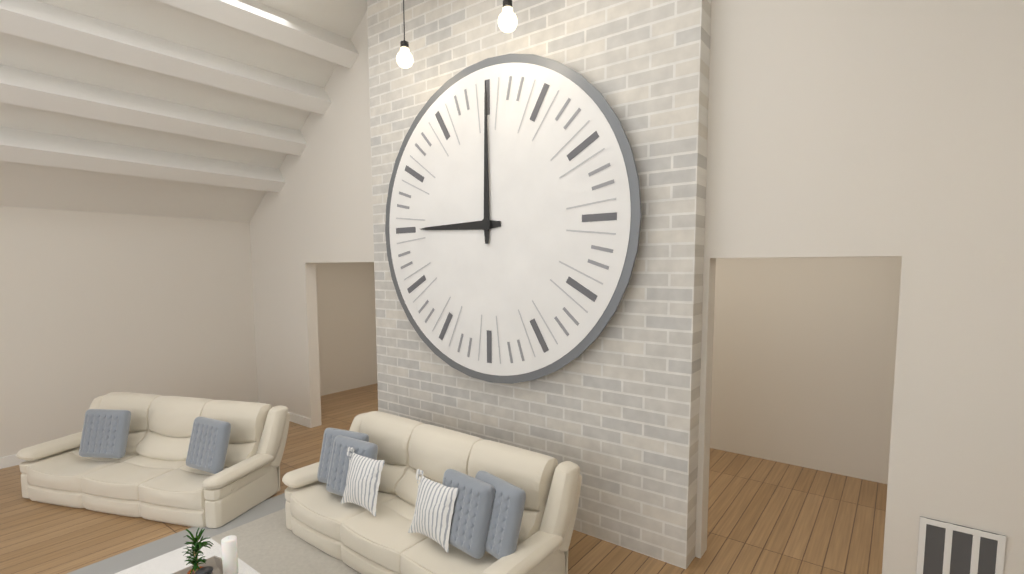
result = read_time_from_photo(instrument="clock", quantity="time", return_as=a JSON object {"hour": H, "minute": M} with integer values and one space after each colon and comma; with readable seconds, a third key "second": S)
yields {"hour": 9, "minute": 0}
